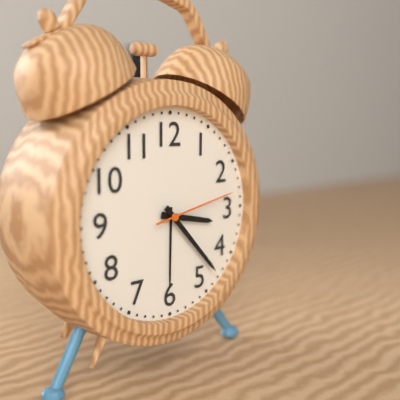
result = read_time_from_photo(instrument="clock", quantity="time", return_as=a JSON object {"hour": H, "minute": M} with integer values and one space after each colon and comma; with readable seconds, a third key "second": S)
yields {"hour": 3, "minute": 23, "second": 13}
